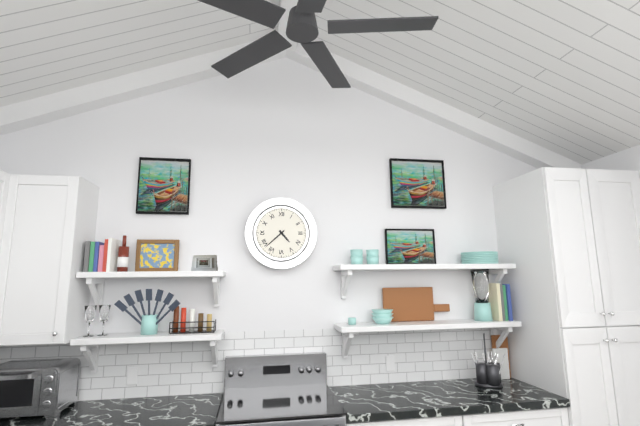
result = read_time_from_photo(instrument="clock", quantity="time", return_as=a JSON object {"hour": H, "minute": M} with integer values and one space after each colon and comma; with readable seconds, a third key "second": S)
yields {"hour": 4, "minute": 38}
